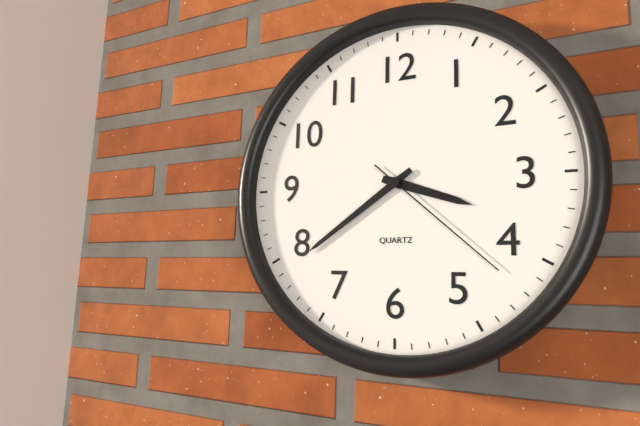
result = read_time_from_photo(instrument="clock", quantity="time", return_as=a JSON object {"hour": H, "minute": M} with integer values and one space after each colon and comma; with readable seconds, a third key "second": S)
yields {"hour": 3, "minute": 39, "second": 22}
